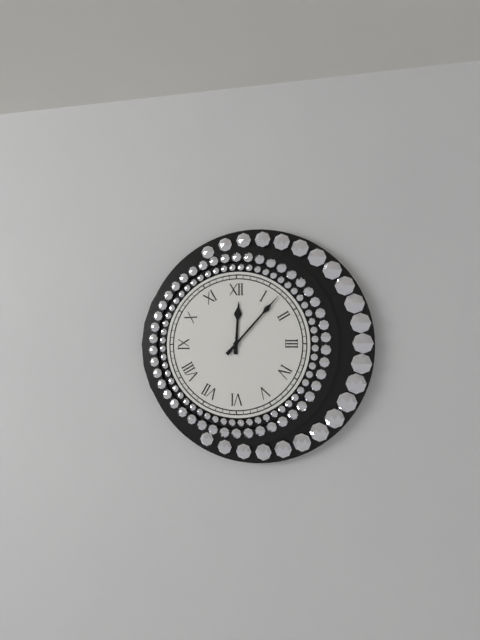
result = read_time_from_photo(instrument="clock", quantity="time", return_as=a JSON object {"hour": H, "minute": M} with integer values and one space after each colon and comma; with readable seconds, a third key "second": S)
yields {"hour": 12, "minute": 7}
